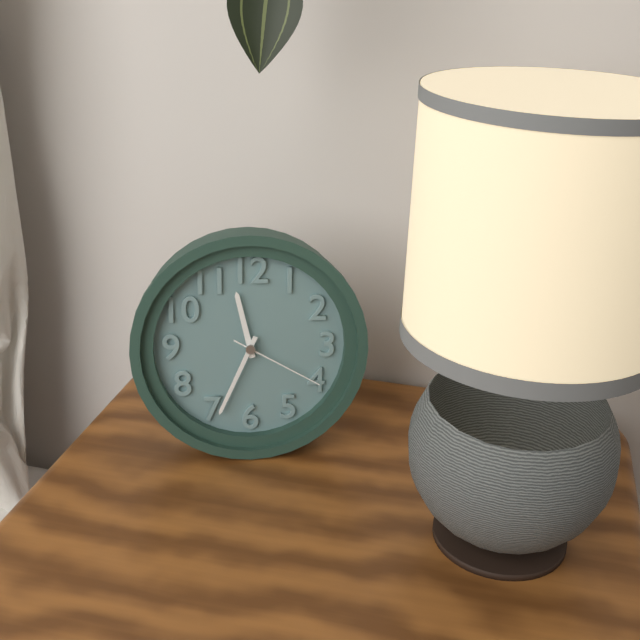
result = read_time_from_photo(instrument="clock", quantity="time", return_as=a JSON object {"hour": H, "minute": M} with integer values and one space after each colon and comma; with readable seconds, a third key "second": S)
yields {"hour": 11, "minute": 34, "second": 20}
